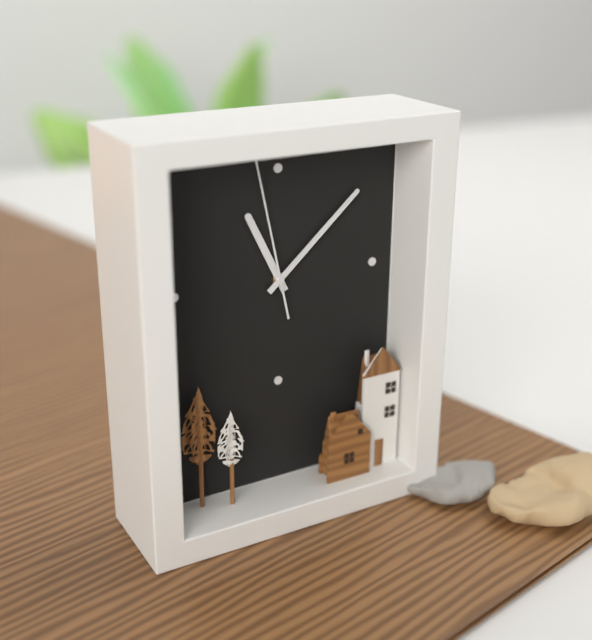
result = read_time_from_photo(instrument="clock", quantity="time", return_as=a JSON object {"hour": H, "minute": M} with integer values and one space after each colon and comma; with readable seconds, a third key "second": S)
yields {"hour": 11, "minute": 8, "second": 58}
